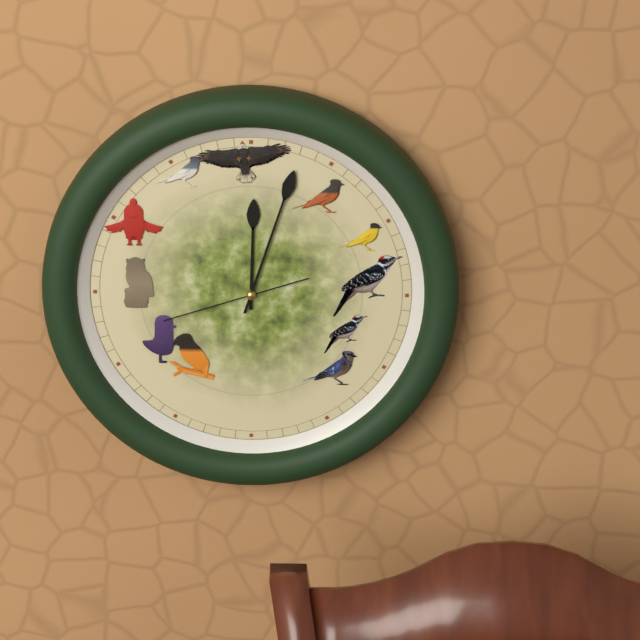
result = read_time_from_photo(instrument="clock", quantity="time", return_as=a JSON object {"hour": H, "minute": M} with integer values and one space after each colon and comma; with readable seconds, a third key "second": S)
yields {"hour": 12, "minute": 3, "second": 42}
